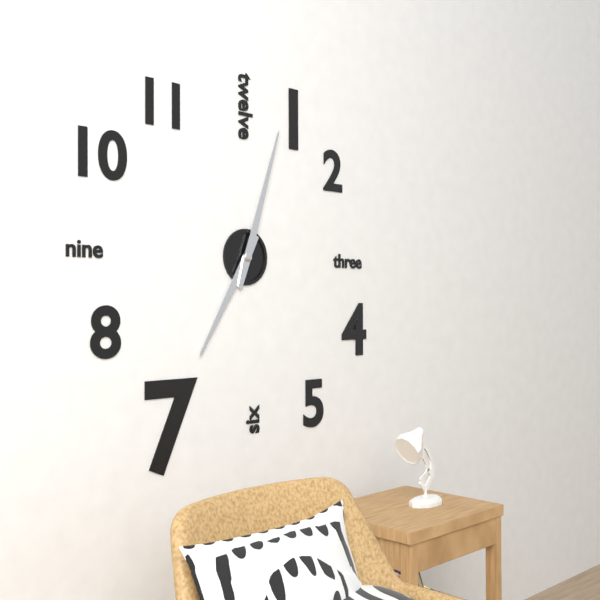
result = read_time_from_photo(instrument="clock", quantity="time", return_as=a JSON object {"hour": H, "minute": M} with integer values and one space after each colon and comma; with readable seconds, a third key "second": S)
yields {"hour": 7, "minute": 3}
